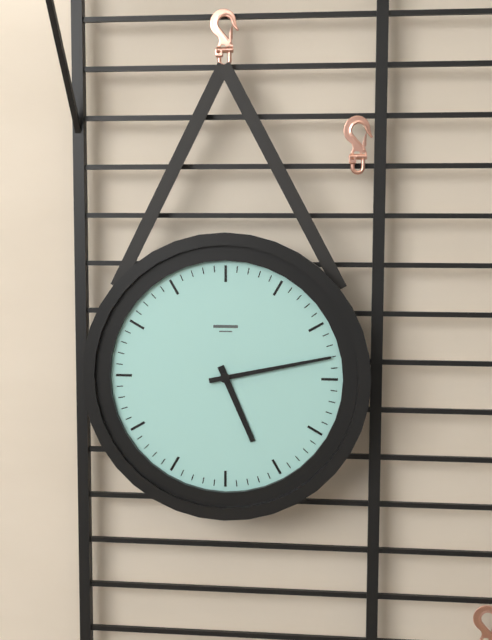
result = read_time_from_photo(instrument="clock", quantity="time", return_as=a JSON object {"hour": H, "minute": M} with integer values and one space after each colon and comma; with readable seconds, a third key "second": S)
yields {"hour": 5, "minute": 13}
